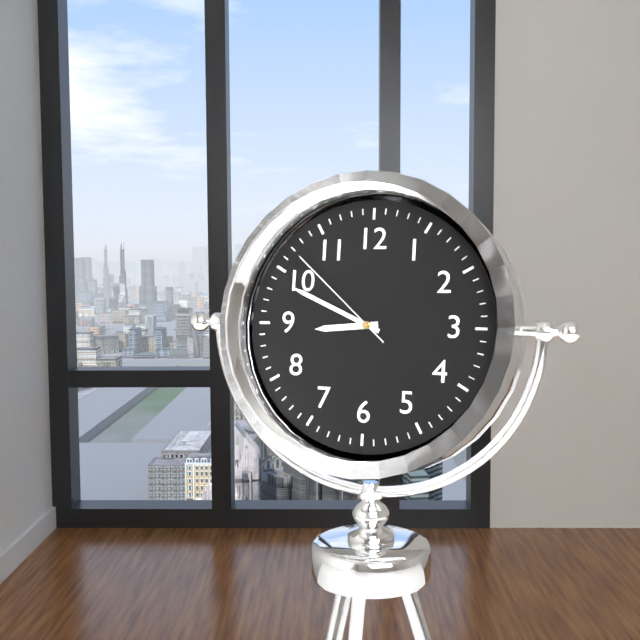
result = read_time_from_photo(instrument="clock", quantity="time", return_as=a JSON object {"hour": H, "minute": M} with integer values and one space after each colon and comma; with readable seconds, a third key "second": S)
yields {"hour": 8, "minute": 49, "second": 52}
